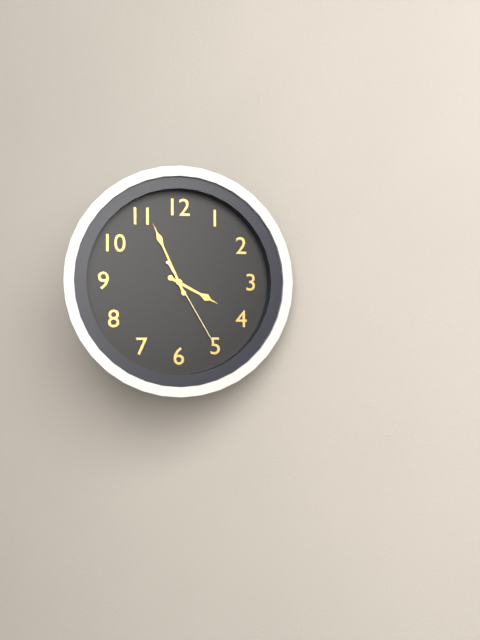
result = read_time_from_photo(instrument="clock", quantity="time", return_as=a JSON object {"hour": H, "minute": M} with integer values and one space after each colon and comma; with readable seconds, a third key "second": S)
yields {"hour": 3, "minute": 56, "second": 25}
